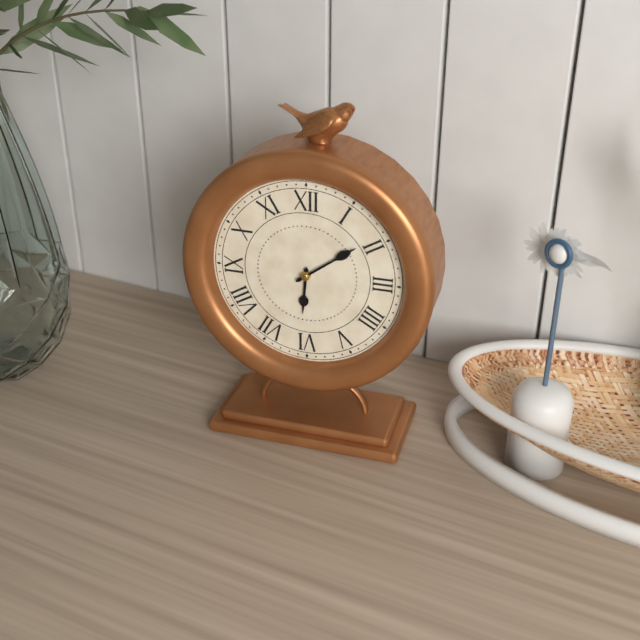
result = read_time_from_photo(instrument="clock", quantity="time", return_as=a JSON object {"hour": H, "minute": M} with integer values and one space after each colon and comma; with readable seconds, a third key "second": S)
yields {"hour": 6, "minute": 9}
